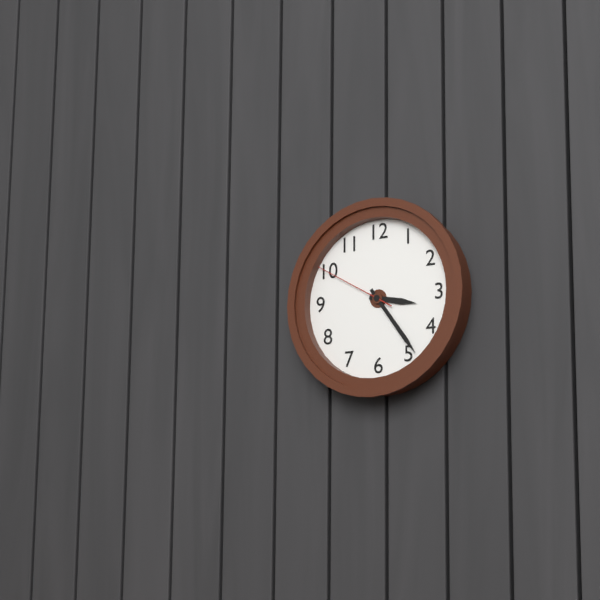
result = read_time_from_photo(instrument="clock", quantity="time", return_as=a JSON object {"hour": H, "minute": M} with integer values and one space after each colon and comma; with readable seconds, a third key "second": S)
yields {"hour": 3, "minute": 24, "second": 50}
